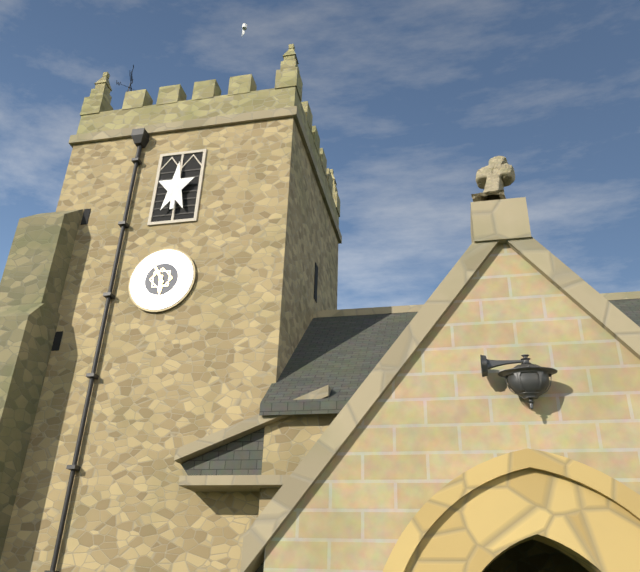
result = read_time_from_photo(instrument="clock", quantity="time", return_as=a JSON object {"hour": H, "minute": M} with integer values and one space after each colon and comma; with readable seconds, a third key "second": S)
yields {"hour": 5, "minute": 55}
